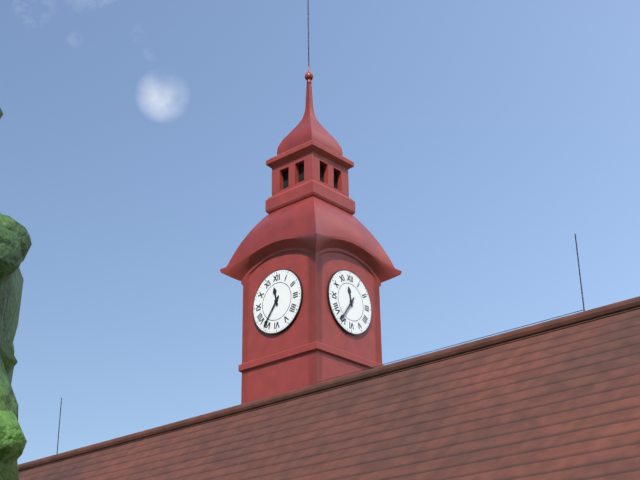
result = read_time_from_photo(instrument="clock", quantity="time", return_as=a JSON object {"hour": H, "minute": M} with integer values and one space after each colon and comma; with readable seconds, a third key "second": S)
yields {"hour": 11, "minute": 36}
